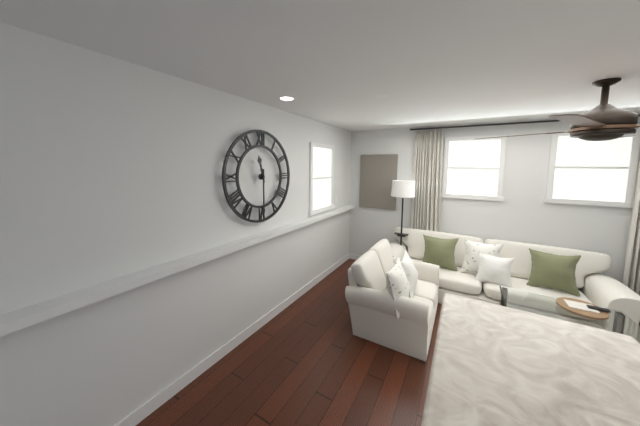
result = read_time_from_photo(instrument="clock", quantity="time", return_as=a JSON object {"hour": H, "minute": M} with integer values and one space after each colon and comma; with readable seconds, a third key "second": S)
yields {"hour": 11, "minute": 30}
